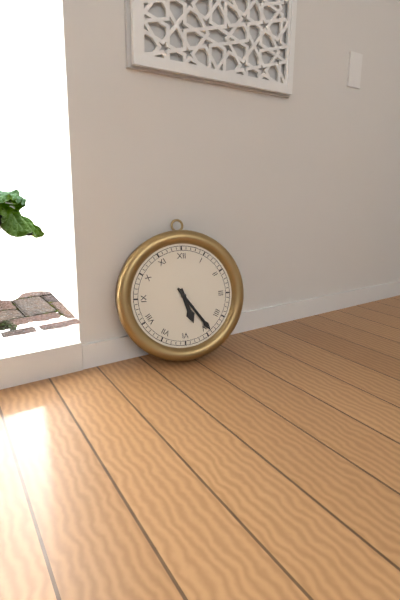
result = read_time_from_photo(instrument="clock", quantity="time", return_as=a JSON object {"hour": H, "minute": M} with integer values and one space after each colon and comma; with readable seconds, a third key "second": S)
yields {"hour": 5, "minute": 24}
